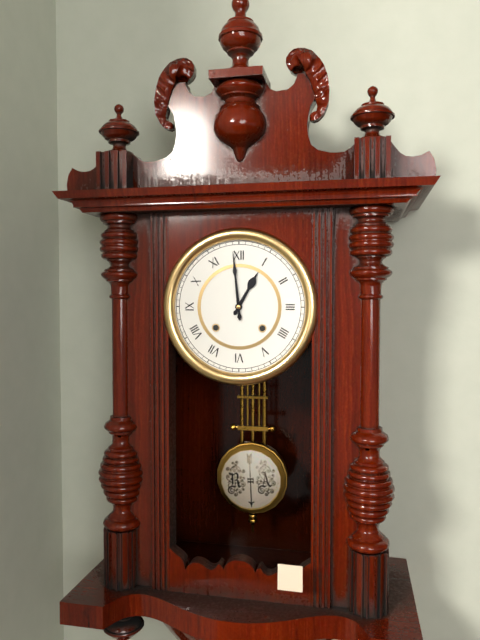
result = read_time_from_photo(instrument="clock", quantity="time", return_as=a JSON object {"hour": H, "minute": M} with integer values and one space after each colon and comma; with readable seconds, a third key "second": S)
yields {"hour": 12, "minute": 59}
